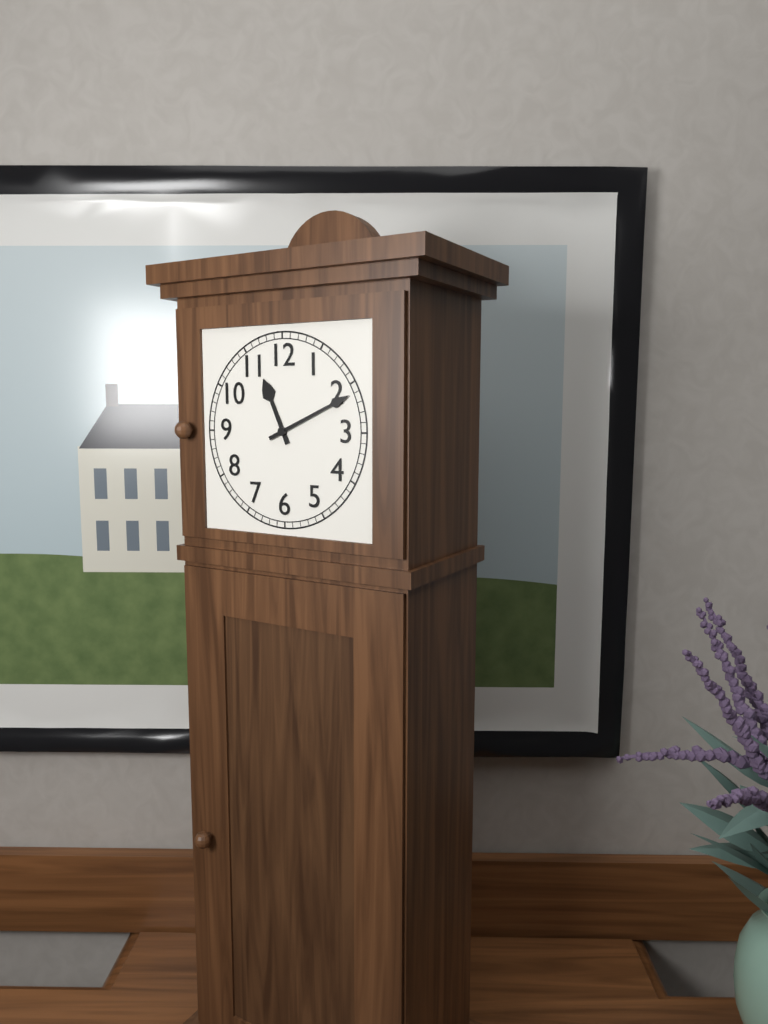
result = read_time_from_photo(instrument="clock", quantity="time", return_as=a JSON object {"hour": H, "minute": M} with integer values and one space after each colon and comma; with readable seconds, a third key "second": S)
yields {"hour": 11, "minute": 11}
